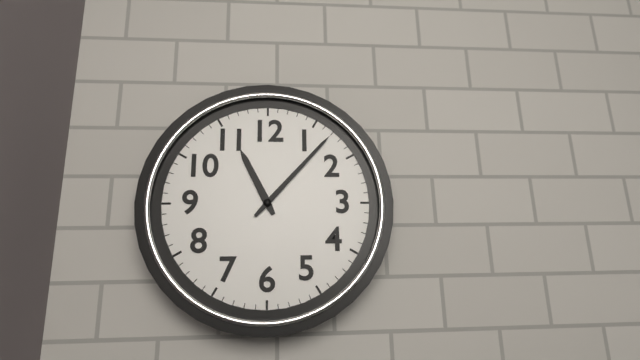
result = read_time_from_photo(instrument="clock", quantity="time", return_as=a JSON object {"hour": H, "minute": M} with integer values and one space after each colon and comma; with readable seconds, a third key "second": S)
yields {"hour": 11, "minute": 7}
